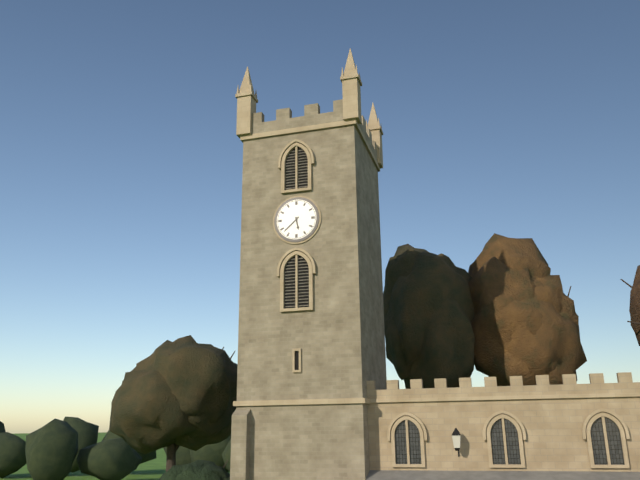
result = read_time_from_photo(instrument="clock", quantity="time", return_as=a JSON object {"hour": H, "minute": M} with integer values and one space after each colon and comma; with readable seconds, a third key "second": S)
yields {"hour": 5, "minute": 38}
